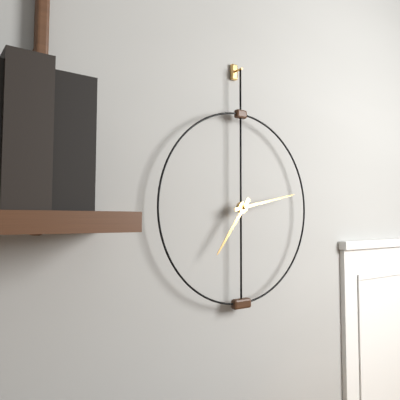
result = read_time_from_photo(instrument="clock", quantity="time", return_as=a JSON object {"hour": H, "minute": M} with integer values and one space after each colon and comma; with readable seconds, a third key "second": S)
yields {"hour": 7, "minute": 13}
